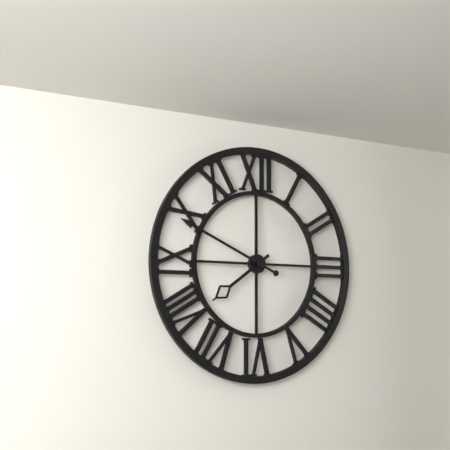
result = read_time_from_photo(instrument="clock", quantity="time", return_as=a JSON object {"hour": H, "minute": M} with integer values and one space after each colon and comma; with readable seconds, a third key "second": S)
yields {"hour": 7, "minute": 49}
